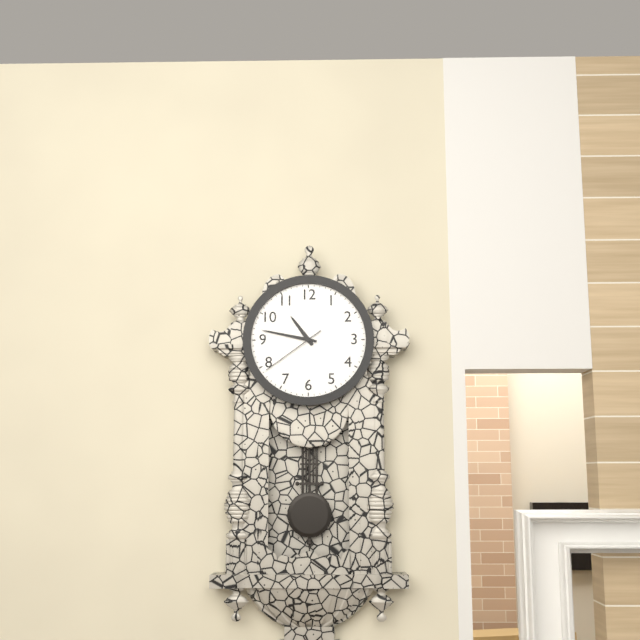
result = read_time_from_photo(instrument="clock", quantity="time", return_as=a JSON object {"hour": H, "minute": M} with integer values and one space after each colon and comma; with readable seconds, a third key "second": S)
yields {"hour": 10, "minute": 47, "second": 39}
